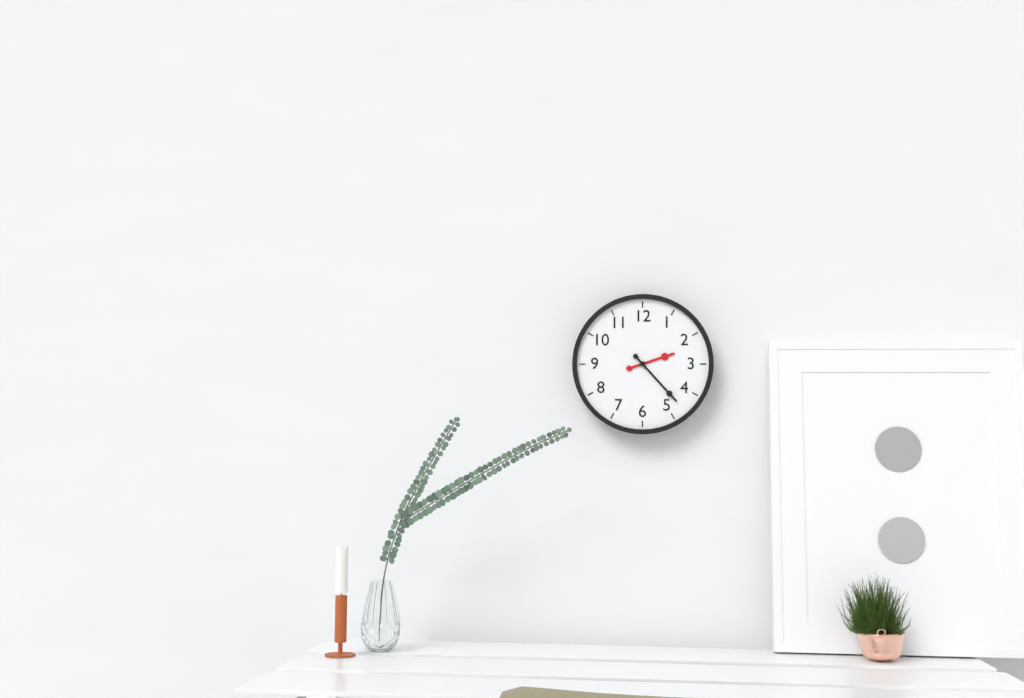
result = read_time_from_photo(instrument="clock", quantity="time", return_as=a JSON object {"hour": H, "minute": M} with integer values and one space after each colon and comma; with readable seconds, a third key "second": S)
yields {"hour": 2, "minute": 23}
